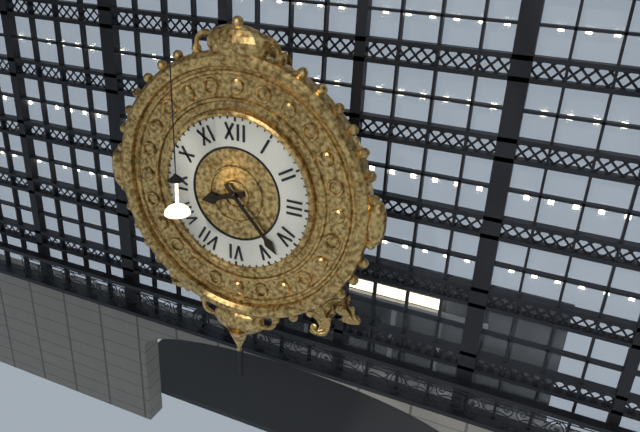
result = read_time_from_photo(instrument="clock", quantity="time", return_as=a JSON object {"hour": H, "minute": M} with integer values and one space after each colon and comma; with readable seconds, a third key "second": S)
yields {"hour": 8, "minute": 23}
